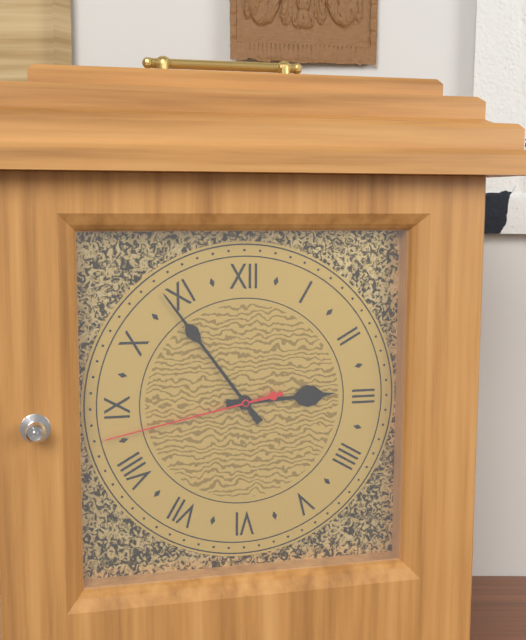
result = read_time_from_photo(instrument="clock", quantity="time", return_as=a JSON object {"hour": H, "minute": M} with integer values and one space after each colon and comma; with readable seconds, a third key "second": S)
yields {"hour": 2, "minute": 54, "second": 43}
